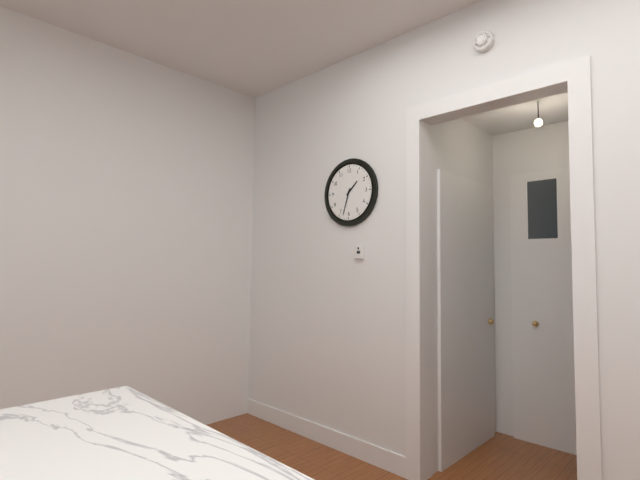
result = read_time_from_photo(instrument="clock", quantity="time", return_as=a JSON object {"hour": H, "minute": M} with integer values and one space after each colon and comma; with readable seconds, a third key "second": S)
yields {"hour": 1, "minute": 33}
